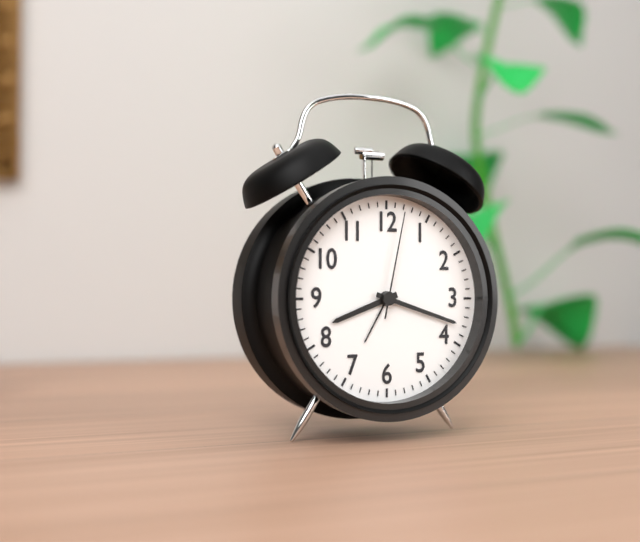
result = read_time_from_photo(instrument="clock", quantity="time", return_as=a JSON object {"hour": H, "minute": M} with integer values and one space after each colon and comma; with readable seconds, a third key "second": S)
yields {"hour": 8, "minute": 18, "second": 2}
